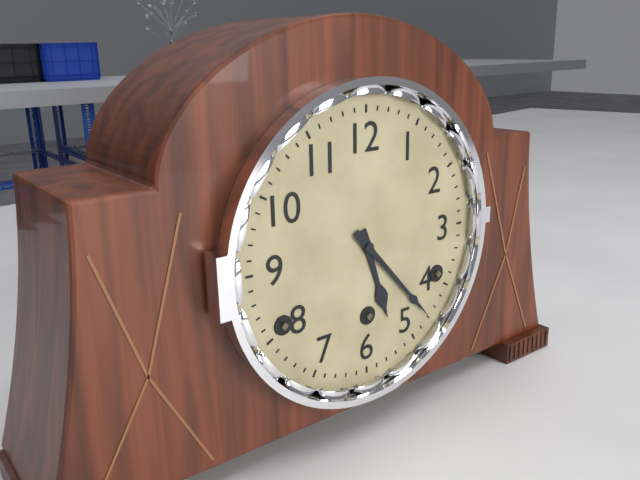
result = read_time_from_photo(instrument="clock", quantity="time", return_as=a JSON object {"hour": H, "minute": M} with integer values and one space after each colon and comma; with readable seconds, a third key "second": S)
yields {"hour": 5, "minute": 23}
